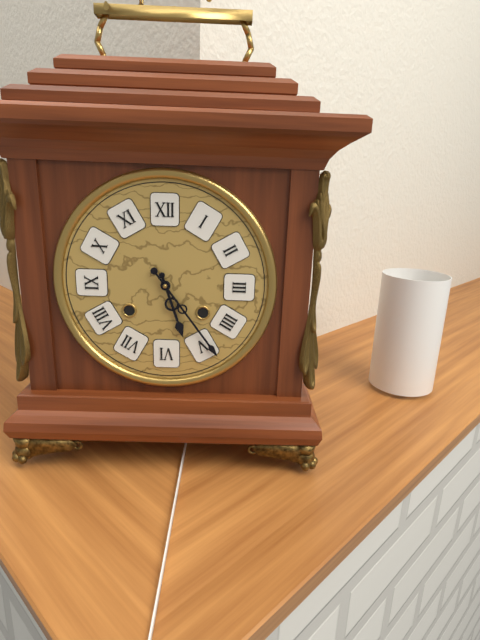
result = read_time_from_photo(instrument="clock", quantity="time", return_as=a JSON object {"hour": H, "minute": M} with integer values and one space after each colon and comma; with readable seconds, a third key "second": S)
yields {"hour": 5, "minute": 24}
